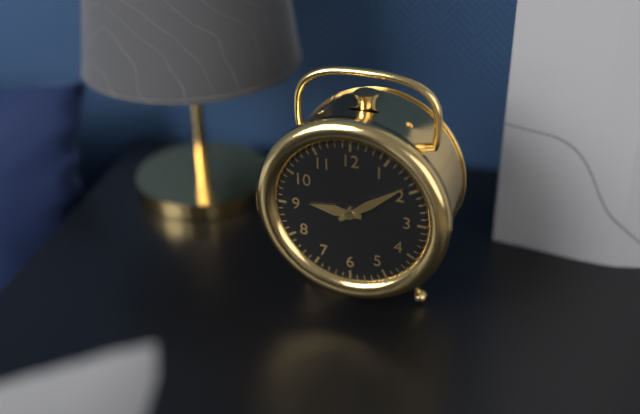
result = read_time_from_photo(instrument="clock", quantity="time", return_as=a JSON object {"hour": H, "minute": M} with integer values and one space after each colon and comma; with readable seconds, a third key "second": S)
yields {"hour": 9, "minute": 9}
